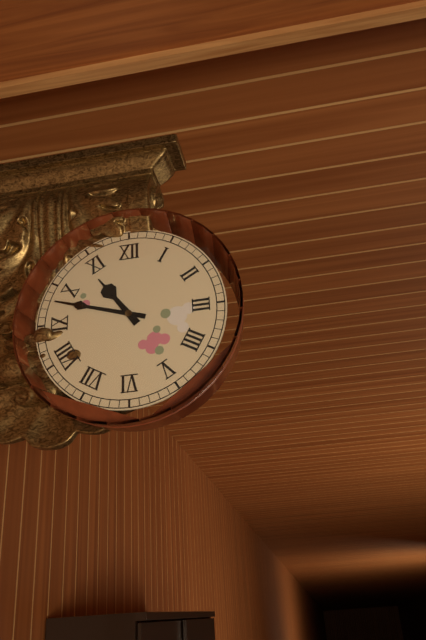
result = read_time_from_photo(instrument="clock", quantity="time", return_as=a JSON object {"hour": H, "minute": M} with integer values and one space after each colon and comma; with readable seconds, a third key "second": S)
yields {"hour": 10, "minute": 48}
